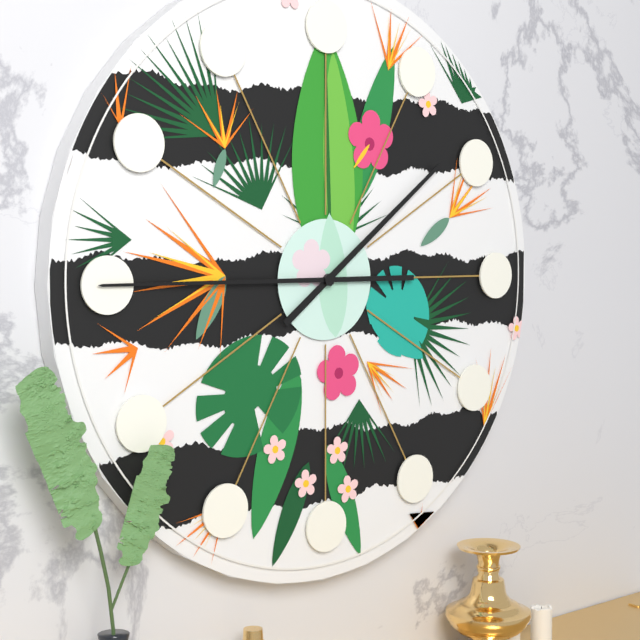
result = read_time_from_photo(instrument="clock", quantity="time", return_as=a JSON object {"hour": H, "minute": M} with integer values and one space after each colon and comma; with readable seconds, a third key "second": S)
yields {"hour": 1, "minute": 45}
